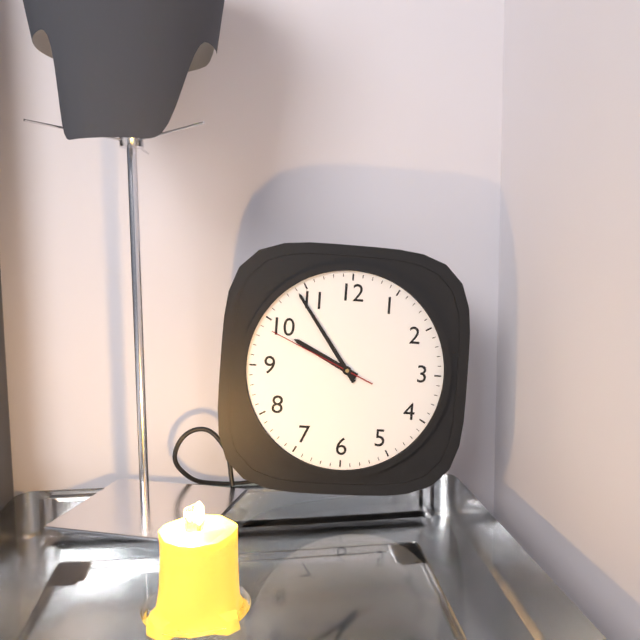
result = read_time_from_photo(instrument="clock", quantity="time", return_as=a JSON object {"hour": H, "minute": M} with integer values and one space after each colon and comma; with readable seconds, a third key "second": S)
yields {"hour": 9, "minute": 54, "second": 49}
